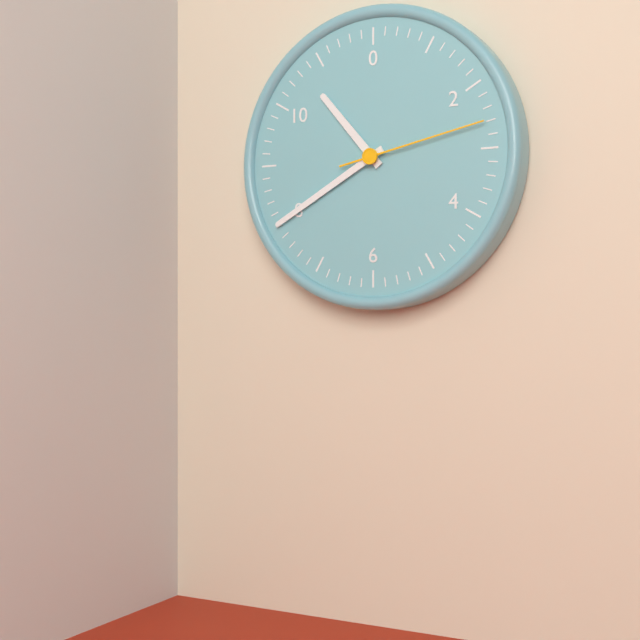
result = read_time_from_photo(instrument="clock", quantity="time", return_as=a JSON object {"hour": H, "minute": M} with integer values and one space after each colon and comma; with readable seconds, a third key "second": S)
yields {"hour": 10, "minute": 40, "second": 13}
